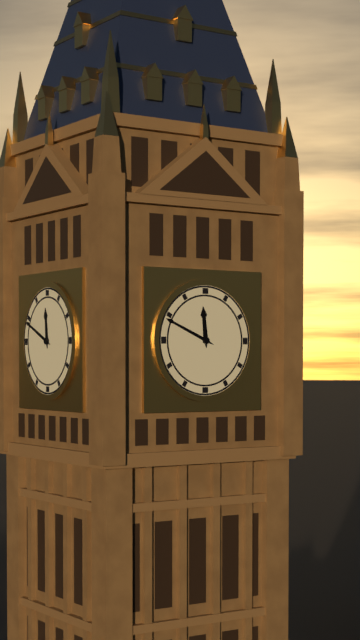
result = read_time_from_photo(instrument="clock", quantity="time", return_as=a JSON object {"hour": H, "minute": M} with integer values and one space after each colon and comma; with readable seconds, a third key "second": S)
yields {"hour": 11, "minute": 49}
